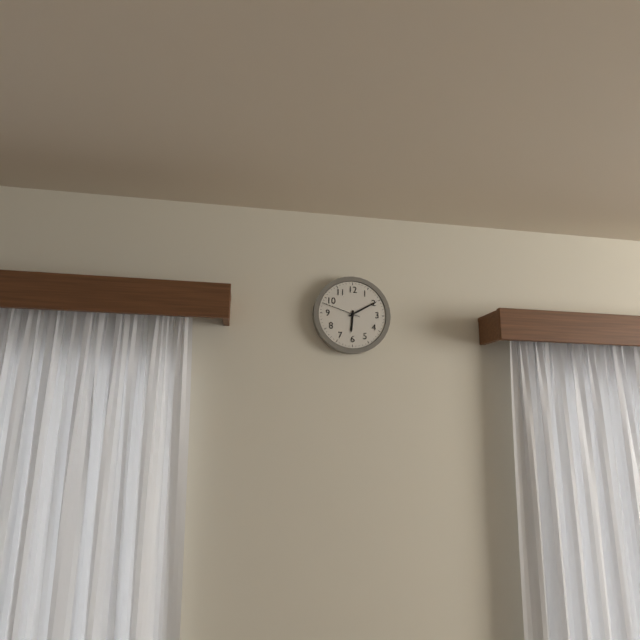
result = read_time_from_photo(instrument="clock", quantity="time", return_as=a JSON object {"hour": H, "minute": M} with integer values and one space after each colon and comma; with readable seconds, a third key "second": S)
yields {"hour": 6, "minute": 10}
